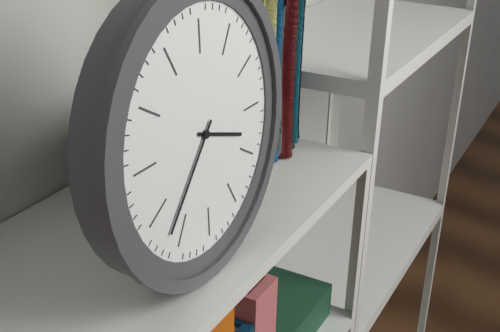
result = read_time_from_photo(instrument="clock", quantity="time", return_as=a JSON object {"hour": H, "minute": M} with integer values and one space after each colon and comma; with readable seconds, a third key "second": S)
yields {"hour": 3, "minute": 37}
